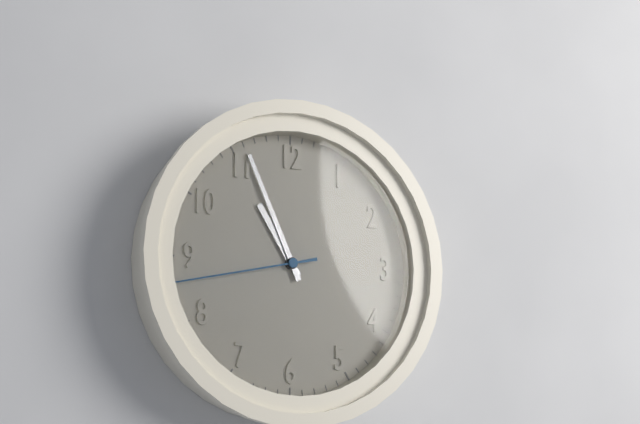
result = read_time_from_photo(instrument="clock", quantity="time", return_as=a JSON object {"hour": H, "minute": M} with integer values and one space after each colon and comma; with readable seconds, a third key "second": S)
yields {"hour": 10, "minute": 56, "second": 43}
